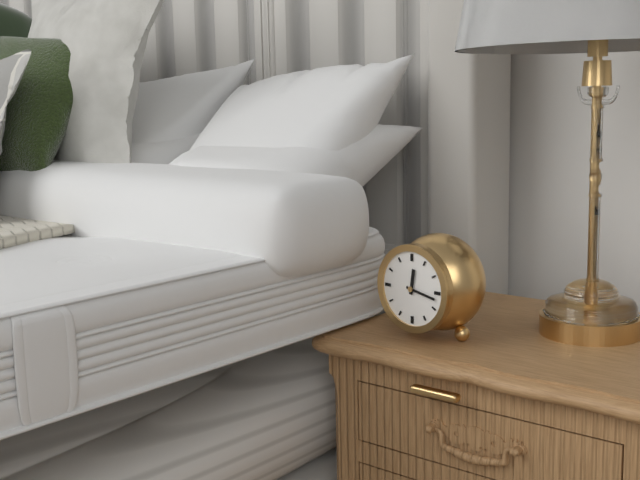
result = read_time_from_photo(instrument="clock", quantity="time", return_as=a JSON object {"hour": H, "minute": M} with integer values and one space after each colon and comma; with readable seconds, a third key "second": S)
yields {"hour": 12, "minute": 17}
